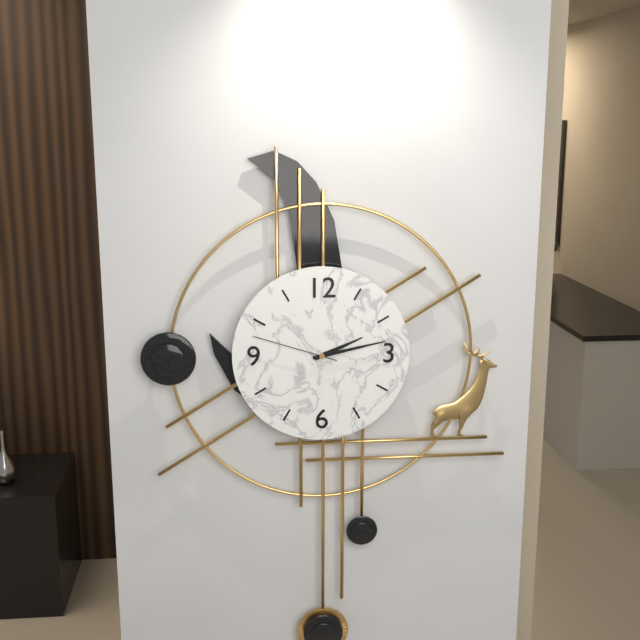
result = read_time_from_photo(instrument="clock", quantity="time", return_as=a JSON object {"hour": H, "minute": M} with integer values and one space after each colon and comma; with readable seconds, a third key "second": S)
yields {"hour": 2, "minute": 13, "second": 48}
